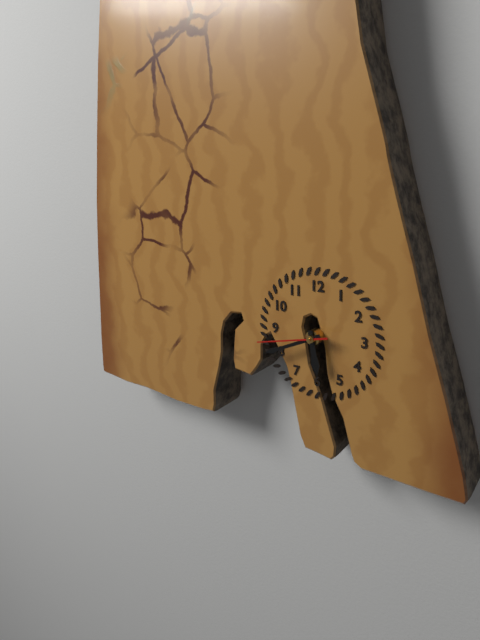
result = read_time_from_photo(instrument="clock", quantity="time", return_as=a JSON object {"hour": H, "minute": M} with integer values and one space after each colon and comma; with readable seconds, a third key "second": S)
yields {"hour": 5, "minute": 41, "second": 43}
